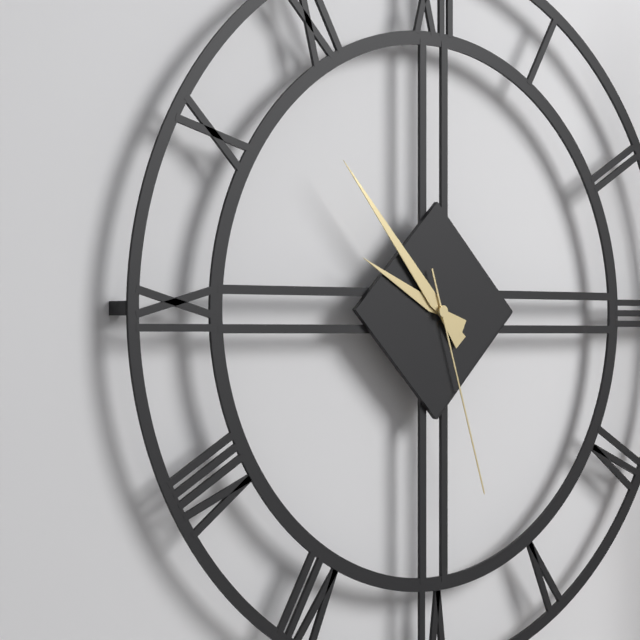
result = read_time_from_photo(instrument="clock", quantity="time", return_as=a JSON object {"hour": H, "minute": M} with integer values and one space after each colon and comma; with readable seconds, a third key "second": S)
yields {"hour": 9, "minute": 53, "second": 27}
